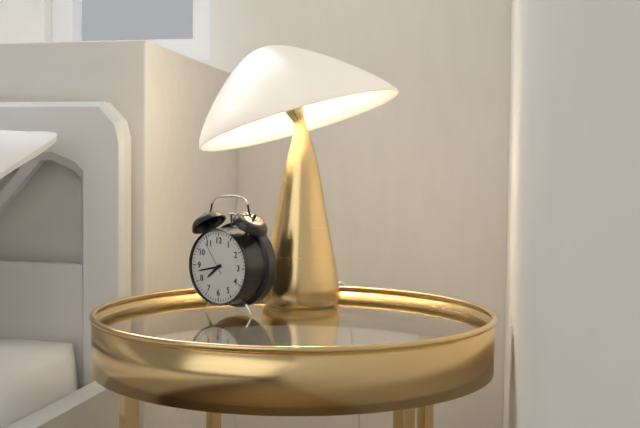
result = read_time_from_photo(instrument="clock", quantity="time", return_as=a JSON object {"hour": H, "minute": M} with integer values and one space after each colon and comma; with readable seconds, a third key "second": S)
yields {"hour": 7, "minute": 43}
